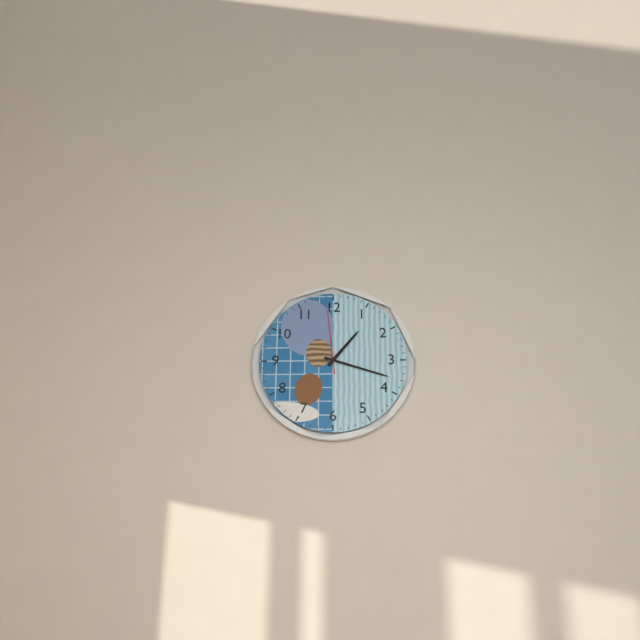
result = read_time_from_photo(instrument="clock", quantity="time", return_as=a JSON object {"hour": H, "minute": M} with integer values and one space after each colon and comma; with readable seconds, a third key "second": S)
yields {"hour": 1, "minute": 18, "second": 59}
